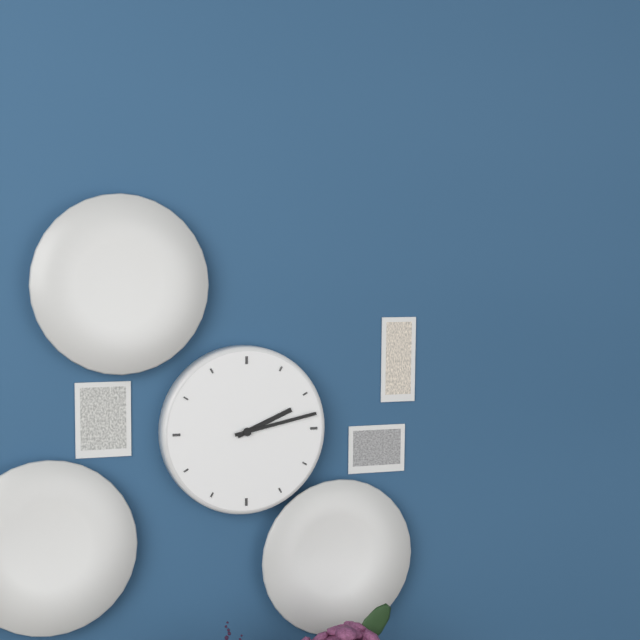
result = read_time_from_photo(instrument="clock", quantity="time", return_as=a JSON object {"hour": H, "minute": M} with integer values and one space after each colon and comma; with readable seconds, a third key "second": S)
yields {"hour": 2, "minute": 13}
